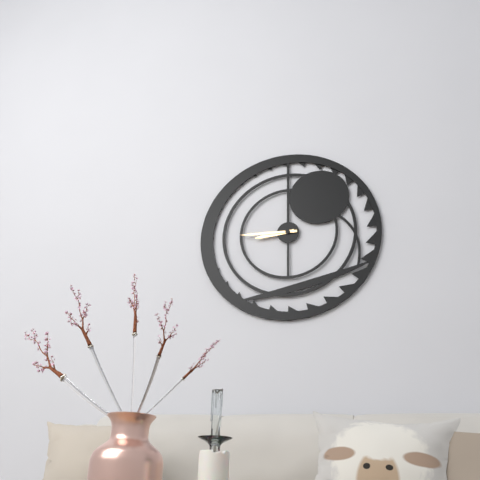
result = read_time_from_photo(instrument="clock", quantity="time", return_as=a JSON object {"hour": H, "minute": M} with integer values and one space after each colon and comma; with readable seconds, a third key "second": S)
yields {"hour": 8, "minute": 45}
